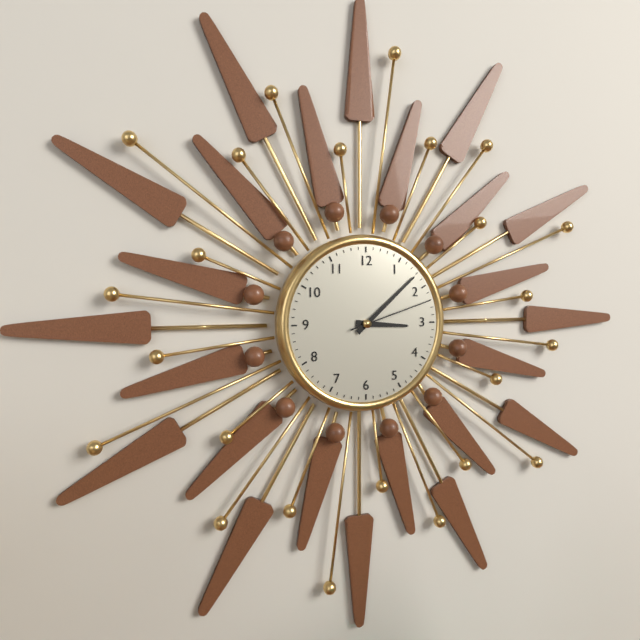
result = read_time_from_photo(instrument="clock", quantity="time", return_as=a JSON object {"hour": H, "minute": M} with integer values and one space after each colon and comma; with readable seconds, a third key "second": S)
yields {"hour": 3, "minute": 8, "second": 12}
